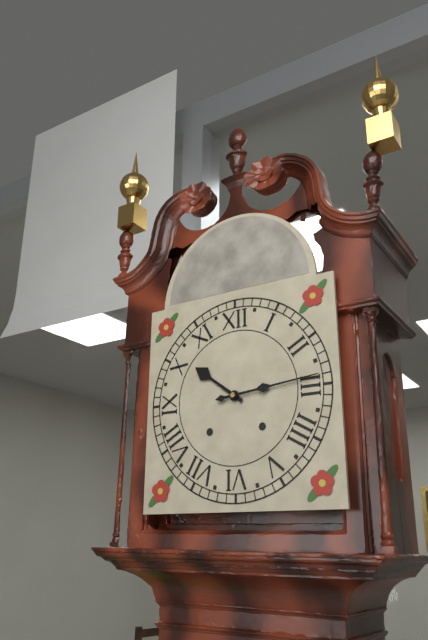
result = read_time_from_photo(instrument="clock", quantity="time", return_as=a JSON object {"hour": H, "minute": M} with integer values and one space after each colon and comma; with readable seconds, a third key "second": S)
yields {"hour": 10, "minute": 14}
